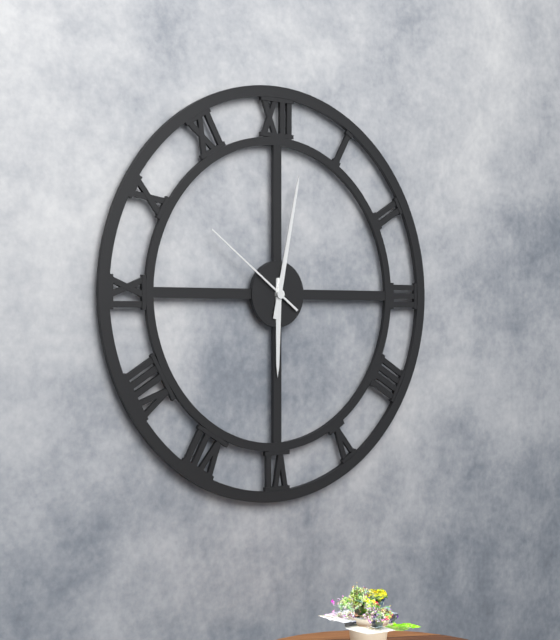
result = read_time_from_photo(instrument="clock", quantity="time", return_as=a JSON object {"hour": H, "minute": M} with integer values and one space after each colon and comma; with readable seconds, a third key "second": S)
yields {"hour": 6, "minute": 2, "second": 51}
